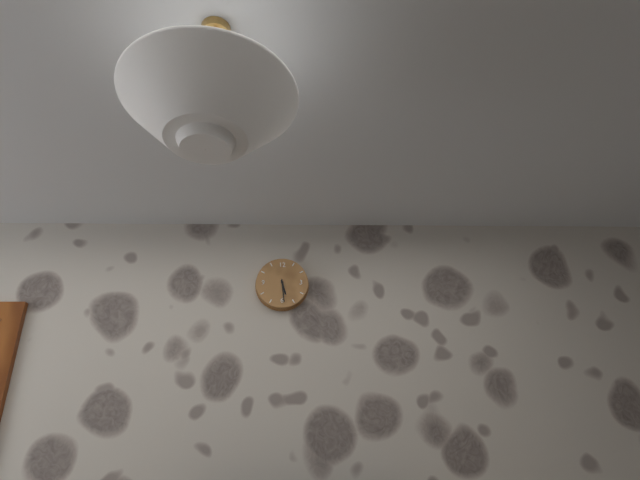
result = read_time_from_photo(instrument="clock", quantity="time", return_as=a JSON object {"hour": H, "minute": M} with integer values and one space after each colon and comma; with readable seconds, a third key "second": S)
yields {"hour": 5, "minute": 29}
